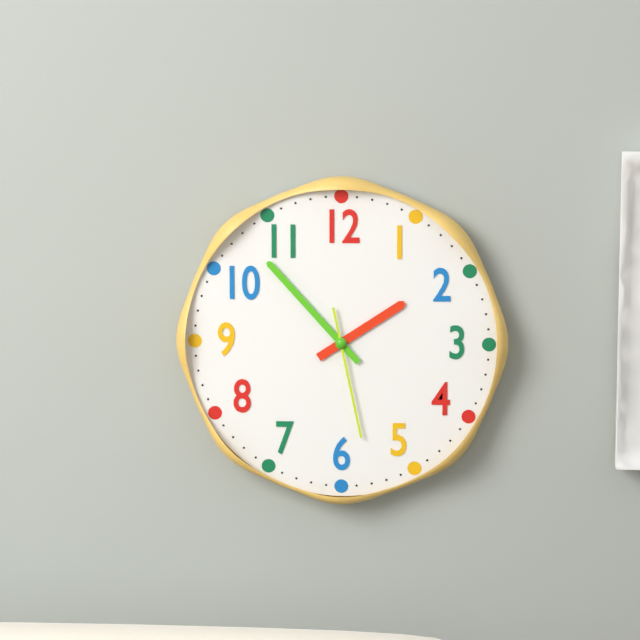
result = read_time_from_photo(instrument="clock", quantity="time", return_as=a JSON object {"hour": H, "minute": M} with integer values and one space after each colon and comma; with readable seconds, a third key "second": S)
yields {"hour": 1, "minute": 53, "second": 28}
